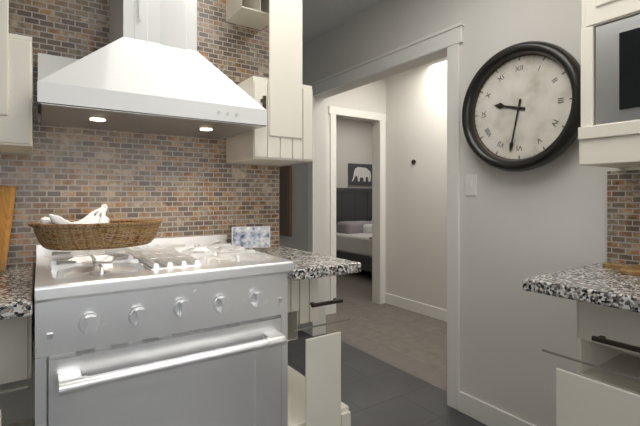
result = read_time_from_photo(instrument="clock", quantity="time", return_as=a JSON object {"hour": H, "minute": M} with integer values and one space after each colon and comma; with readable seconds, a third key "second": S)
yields {"hour": 9, "minute": 32}
